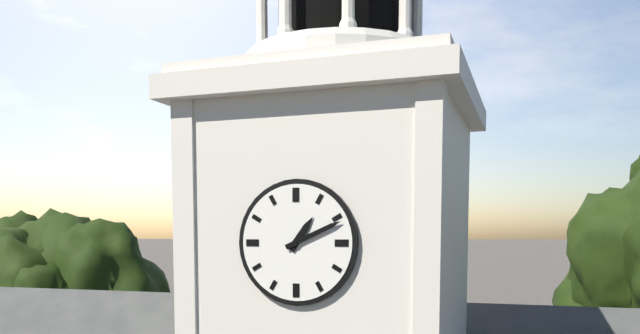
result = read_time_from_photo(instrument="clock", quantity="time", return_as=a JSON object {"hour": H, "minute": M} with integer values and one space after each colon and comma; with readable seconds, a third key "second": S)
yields {"hour": 1, "minute": 11}
